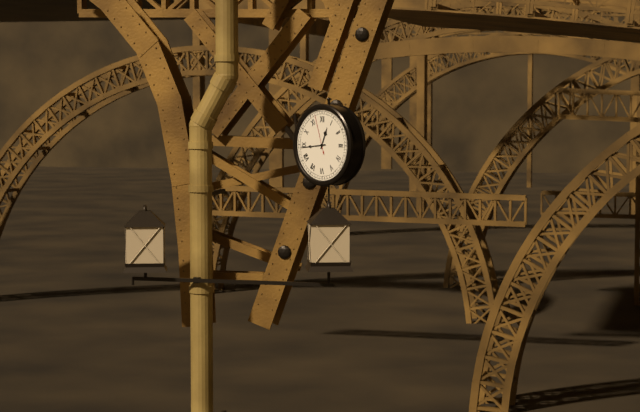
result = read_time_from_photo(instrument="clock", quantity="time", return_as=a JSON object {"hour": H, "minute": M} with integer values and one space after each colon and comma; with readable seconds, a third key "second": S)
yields {"hour": 12, "minute": 44}
